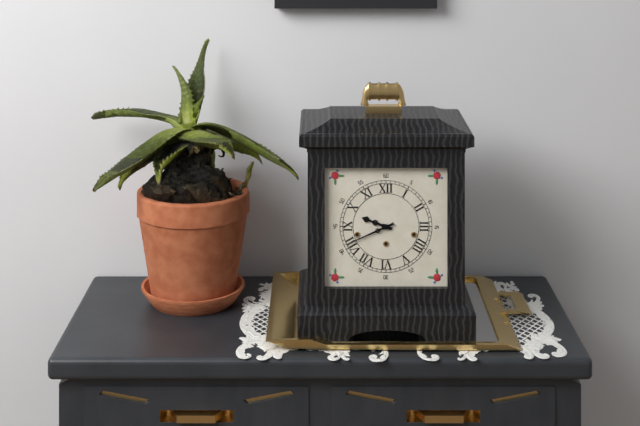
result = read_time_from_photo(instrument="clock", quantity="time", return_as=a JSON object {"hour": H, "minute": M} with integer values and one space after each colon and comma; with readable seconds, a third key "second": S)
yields {"hour": 9, "minute": 41}
